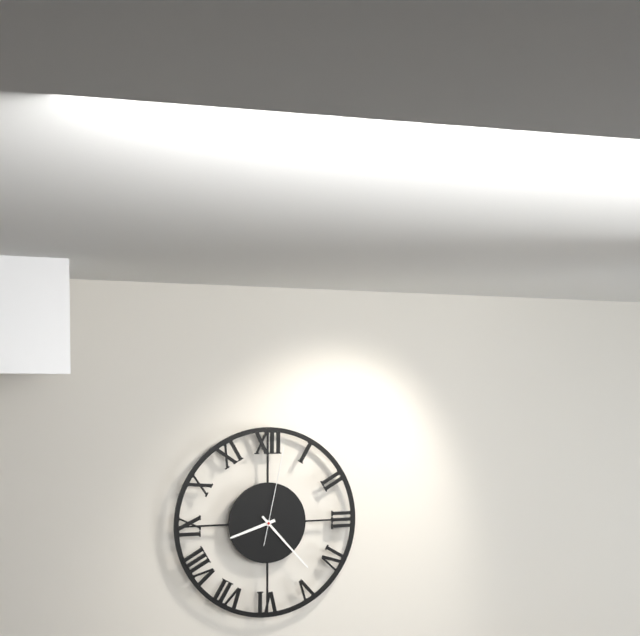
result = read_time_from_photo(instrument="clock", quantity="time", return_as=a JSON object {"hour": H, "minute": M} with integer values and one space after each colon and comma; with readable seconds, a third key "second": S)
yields {"hour": 8, "minute": 23, "second": 2}
